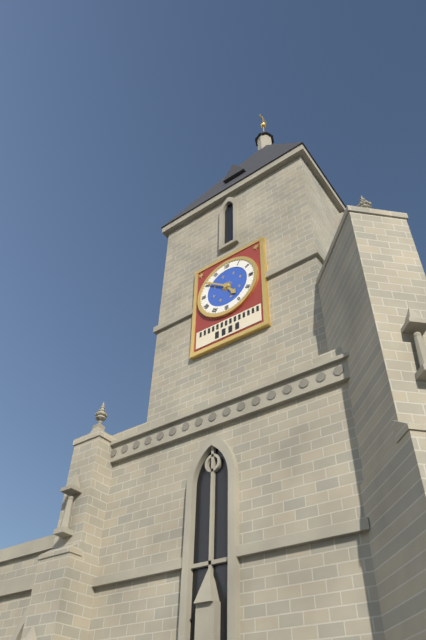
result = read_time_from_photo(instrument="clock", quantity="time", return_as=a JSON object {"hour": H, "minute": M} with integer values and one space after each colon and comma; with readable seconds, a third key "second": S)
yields {"hour": 4, "minute": 51}
